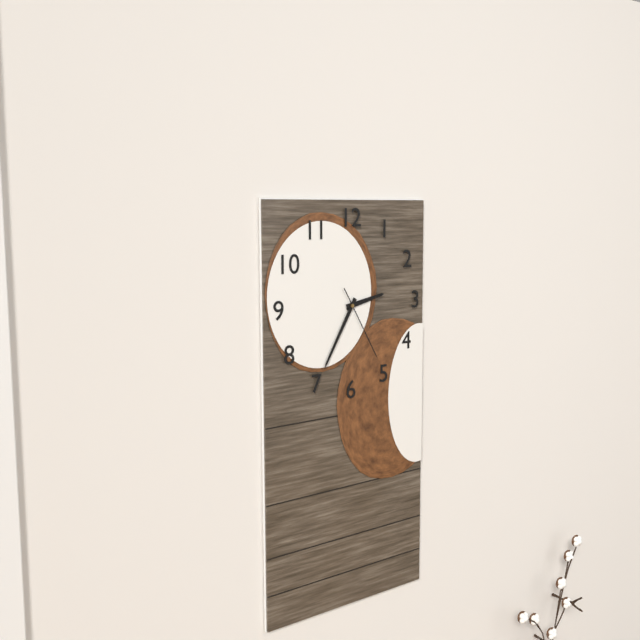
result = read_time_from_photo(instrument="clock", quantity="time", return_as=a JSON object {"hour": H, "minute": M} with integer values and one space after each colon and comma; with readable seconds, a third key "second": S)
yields {"hour": 2, "minute": 35, "second": 25}
